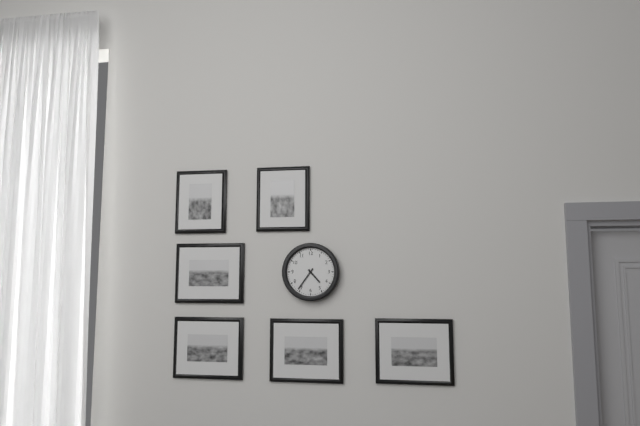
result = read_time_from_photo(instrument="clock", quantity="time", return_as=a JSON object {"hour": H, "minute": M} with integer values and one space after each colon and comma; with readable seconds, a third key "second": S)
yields {"hour": 4, "minute": 36}
